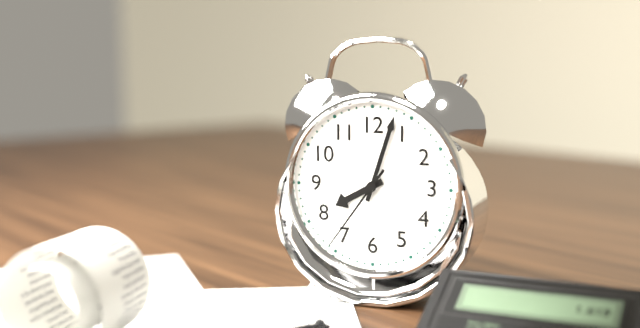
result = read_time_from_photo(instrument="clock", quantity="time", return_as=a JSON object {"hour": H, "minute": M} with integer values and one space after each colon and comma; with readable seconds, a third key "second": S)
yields {"hour": 8, "minute": 3, "second": 36}
